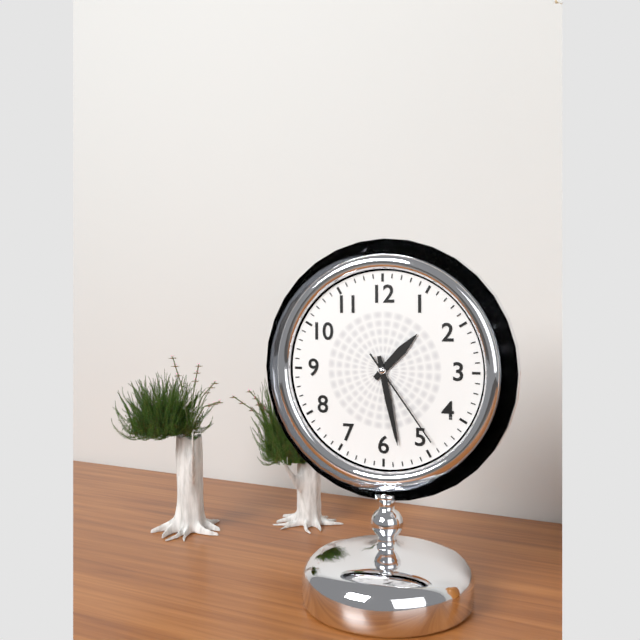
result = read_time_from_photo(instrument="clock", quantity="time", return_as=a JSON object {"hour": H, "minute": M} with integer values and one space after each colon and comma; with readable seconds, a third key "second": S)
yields {"hour": 1, "minute": 28, "second": 24}
